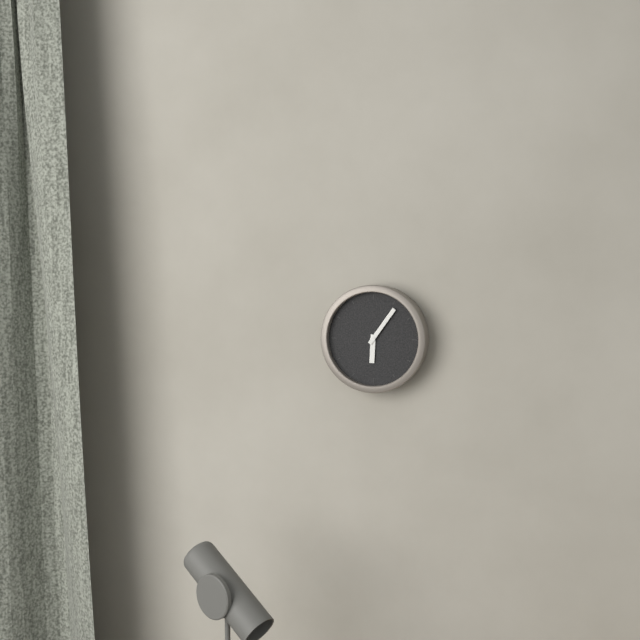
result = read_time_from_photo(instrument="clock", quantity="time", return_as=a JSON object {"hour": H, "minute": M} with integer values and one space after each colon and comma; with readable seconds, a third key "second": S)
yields {"hour": 6, "minute": 6}
